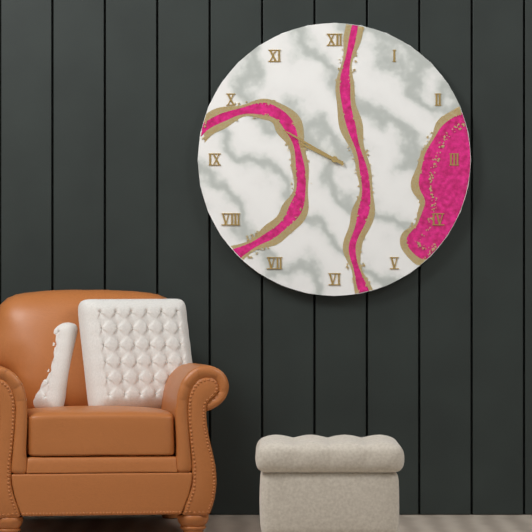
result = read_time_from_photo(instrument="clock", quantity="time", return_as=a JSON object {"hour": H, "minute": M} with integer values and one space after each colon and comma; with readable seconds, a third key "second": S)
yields {"hour": 9, "minute": 50}
